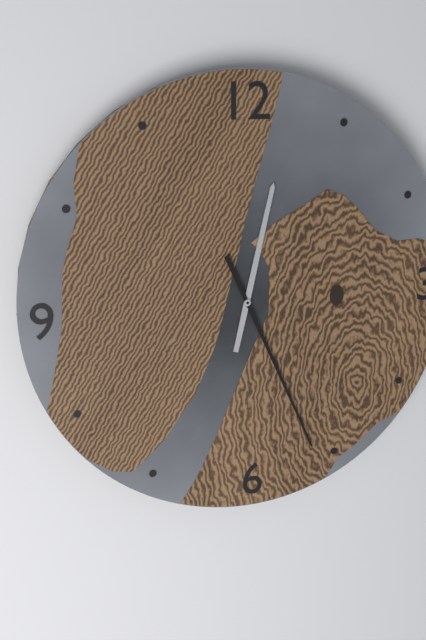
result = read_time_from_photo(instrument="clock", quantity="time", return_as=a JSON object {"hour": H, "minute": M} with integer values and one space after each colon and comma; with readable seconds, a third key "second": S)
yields {"hour": 12, "minute": 26}
